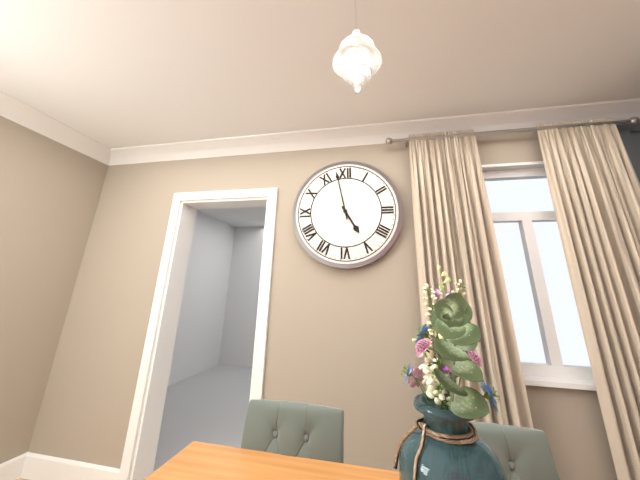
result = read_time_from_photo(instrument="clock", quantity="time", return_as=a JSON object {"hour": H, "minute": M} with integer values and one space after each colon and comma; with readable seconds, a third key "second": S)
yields {"hour": 4, "minute": 58}
